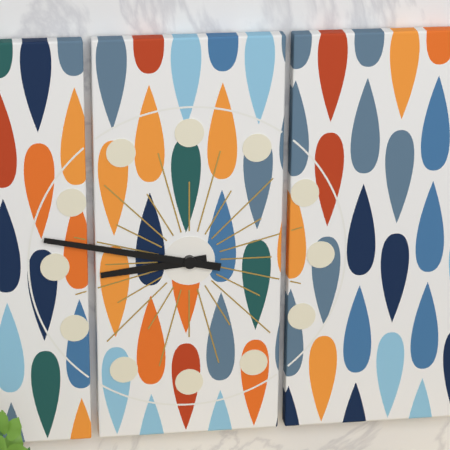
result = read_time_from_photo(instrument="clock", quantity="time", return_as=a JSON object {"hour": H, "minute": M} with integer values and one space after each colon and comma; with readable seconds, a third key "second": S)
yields {"hour": 8, "minute": 47}
